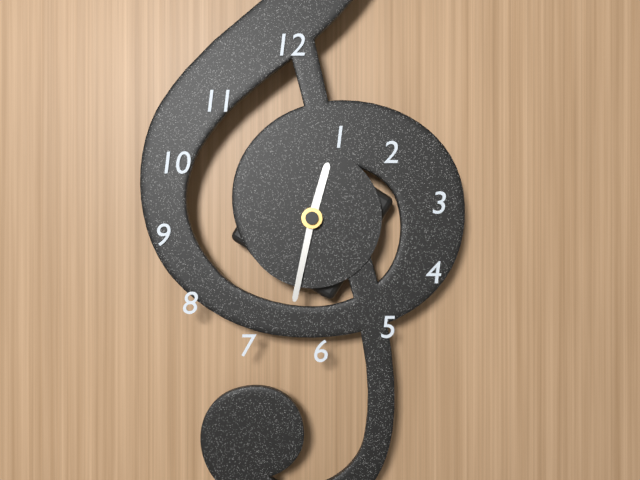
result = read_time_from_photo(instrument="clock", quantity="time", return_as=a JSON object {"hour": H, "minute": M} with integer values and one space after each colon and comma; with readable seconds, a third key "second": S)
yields {"hour": 12, "minute": 32}
